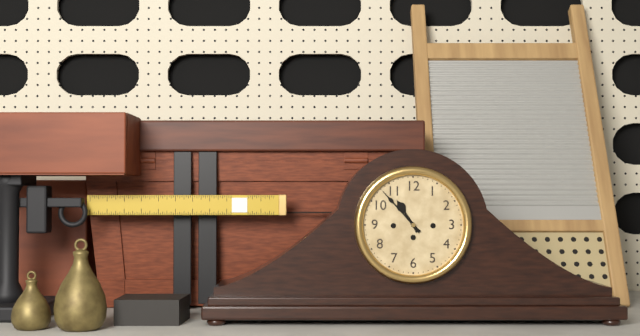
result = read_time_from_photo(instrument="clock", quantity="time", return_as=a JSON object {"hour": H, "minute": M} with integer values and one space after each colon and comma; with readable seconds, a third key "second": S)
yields {"hour": 10, "minute": 53}
